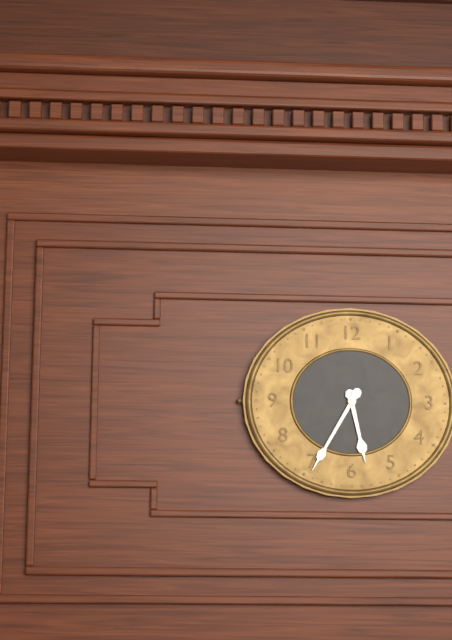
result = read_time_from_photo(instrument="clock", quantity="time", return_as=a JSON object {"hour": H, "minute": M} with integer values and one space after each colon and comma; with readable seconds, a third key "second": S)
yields {"hour": 5, "minute": 35}
